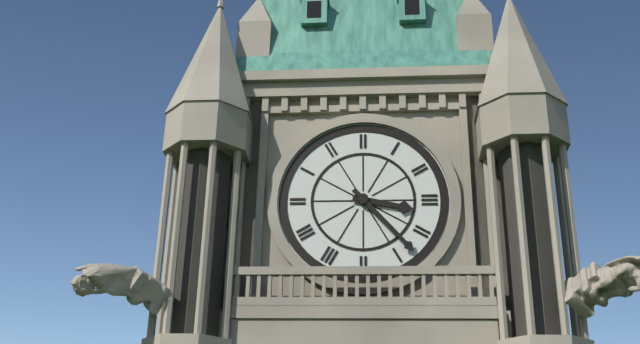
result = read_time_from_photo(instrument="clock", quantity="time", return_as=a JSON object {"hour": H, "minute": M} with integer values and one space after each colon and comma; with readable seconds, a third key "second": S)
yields {"hour": 3, "minute": 23}
